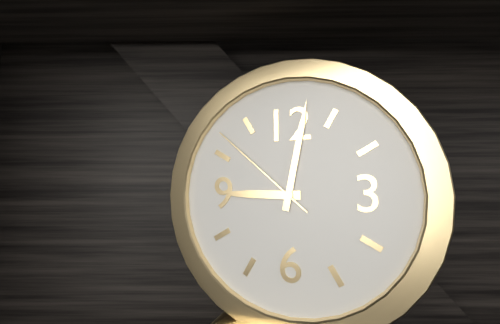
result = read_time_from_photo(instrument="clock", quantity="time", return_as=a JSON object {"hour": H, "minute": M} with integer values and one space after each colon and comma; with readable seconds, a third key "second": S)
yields {"hour": 9, "minute": 2, "second": 52}
